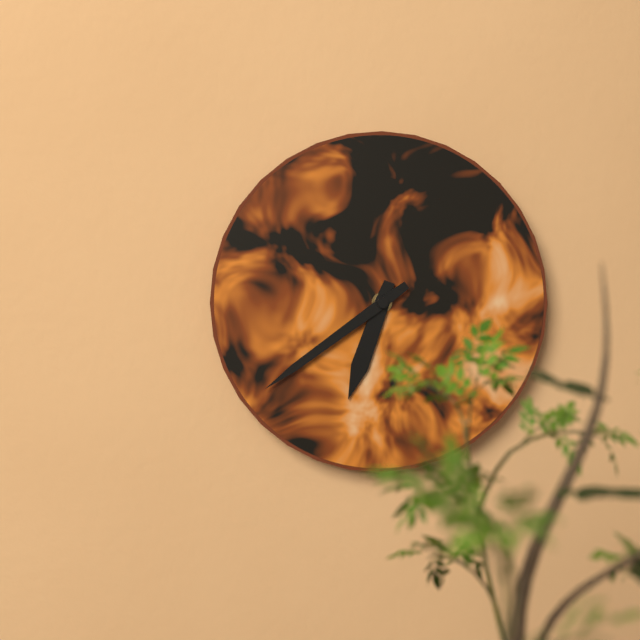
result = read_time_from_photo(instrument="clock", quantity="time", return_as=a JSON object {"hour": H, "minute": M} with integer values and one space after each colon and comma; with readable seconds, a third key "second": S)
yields {"hour": 6, "minute": 39}
